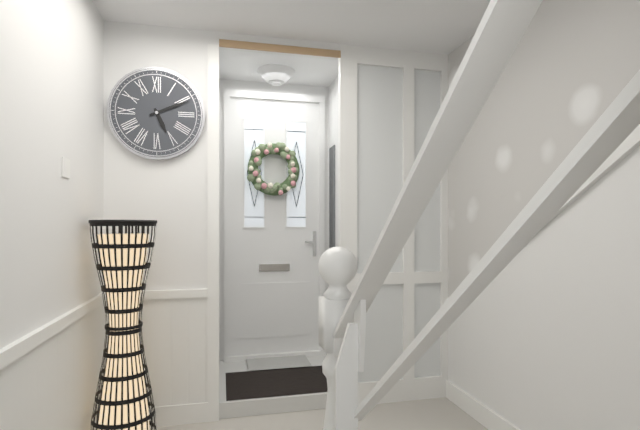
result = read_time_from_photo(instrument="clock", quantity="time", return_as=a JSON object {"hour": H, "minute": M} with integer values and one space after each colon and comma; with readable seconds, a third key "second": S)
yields {"hour": 5, "minute": 11}
